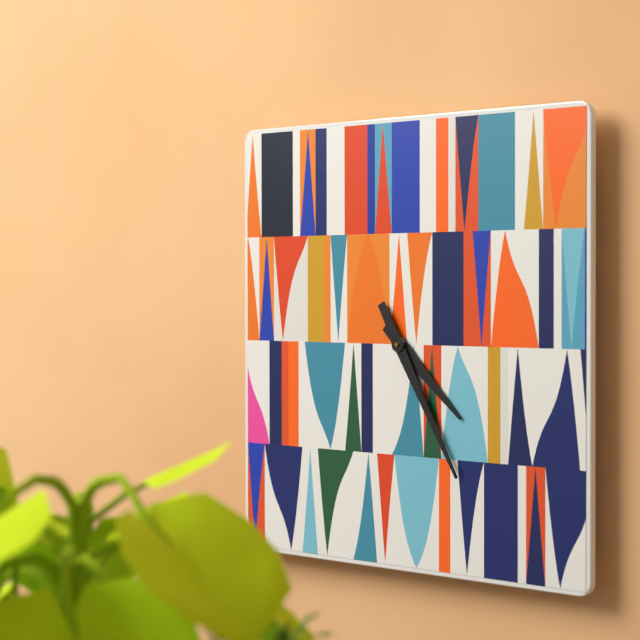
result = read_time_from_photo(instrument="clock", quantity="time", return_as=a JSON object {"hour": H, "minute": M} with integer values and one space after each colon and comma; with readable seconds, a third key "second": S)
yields {"hour": 4, "minute": 25}
